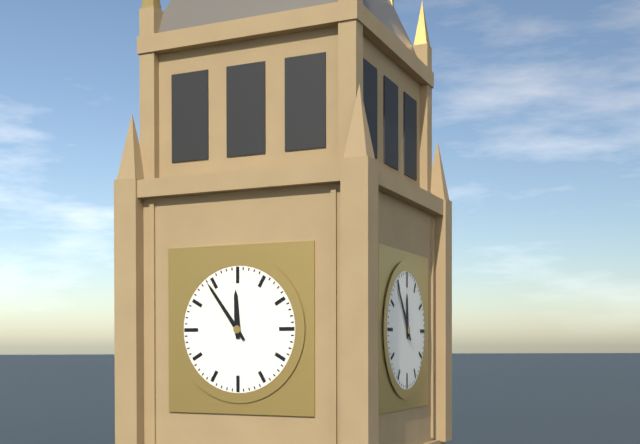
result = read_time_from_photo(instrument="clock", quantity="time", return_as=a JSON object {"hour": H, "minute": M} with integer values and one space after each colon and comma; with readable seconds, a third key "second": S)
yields {"hour": 11, "minute": 54}
